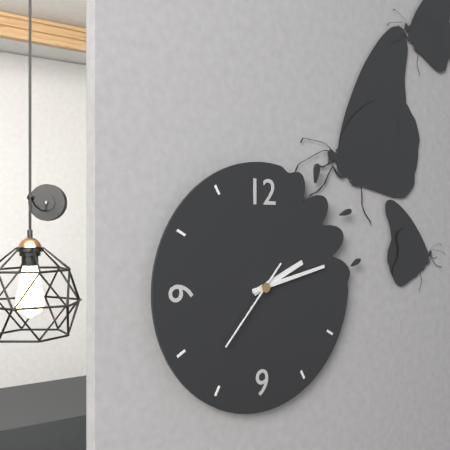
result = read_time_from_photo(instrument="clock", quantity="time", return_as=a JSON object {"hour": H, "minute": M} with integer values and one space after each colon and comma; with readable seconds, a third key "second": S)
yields {"hour": 2, "minute": 13, "second": 37}
